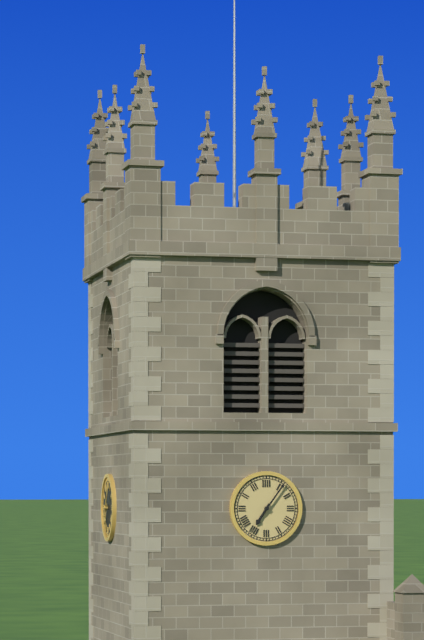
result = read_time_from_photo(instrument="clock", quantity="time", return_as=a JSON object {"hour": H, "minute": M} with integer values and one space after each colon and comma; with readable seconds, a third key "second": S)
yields {"hour": 7, "minute": 6}
